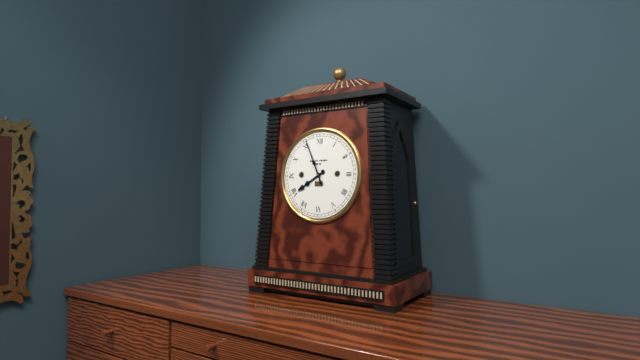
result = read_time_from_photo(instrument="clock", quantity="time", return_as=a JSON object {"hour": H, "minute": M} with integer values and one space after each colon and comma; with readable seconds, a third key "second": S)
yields {"hour": 7, "minute": 56}
